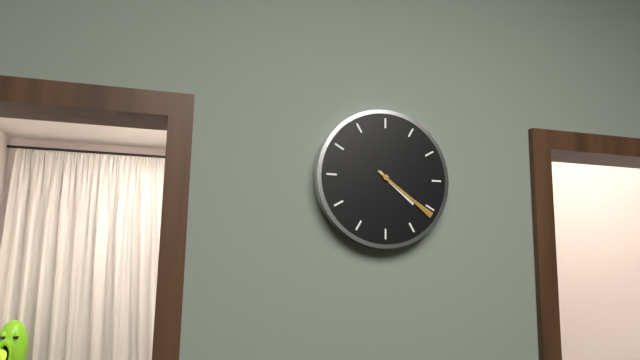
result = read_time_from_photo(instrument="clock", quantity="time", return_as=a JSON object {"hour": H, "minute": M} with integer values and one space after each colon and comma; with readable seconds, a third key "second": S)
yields {"hour": 4, "minute": 21}
